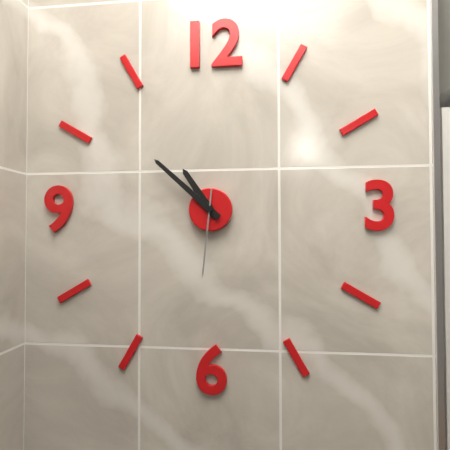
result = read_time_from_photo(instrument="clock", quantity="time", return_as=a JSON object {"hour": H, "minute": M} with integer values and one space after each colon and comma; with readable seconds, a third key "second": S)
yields {"hour": 10, "minute": 52, "second": 31}
